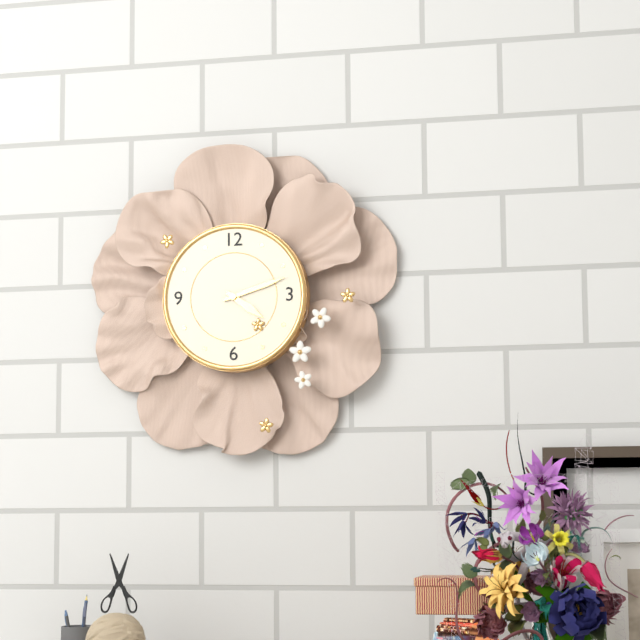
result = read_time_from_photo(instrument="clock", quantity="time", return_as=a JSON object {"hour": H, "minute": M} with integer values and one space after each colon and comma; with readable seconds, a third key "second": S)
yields {"hour": 4, "minute": 12}
